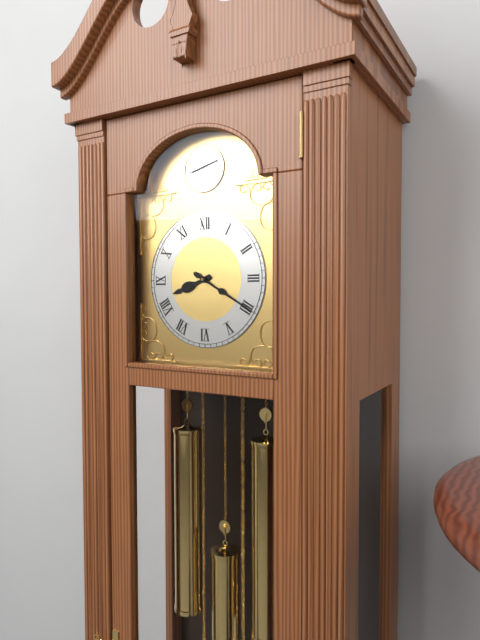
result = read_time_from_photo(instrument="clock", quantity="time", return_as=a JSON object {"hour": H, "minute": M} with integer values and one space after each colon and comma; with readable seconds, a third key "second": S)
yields {"hour": 8, "minute": 20}
